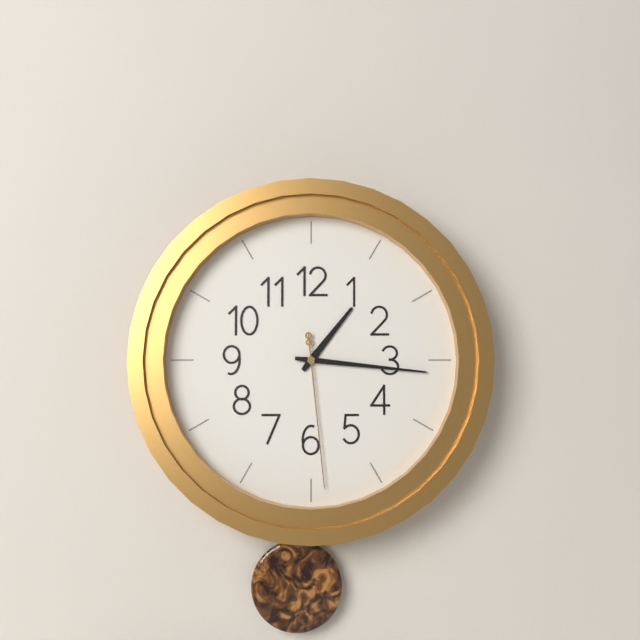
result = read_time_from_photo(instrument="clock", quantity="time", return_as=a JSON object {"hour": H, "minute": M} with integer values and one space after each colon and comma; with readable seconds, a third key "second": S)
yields {"hour": 1, "minute": 16, "second": 29}
